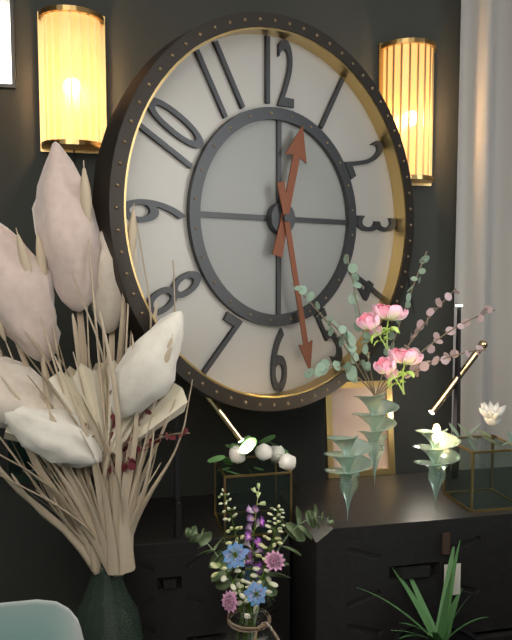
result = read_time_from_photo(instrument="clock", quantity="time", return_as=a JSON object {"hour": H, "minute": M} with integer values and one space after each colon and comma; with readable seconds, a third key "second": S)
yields {"hour": 12, "minute": 28}
